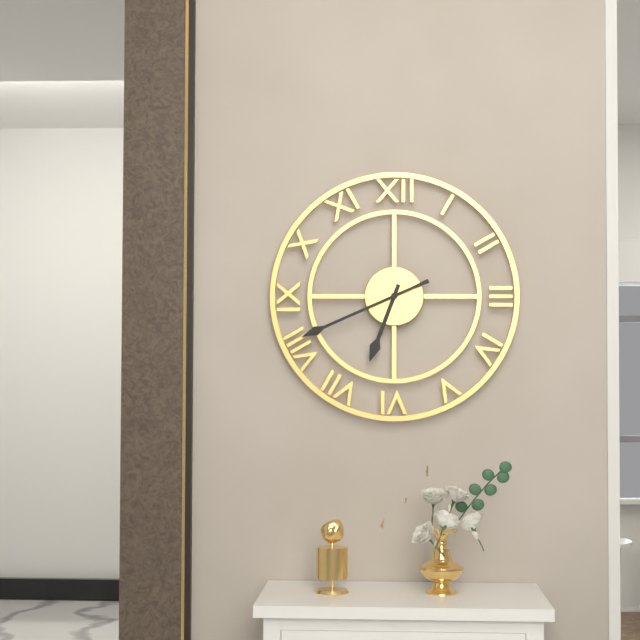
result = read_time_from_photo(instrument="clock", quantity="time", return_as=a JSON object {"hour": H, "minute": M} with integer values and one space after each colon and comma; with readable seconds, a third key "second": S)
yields {"hour": 6, "minute": 41}
